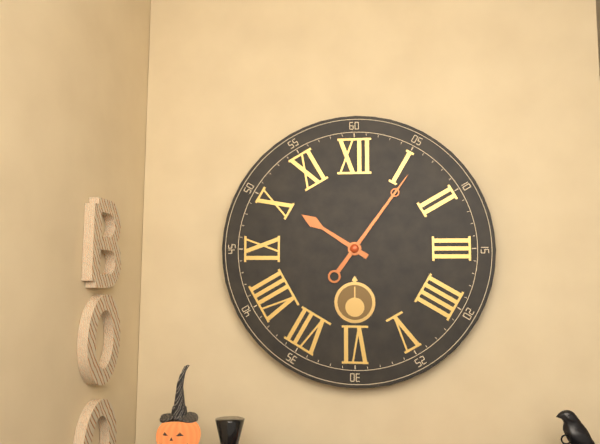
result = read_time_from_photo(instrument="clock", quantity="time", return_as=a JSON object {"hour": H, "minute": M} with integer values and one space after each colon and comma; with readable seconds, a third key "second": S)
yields {"hour": 10, "minute": 6}
